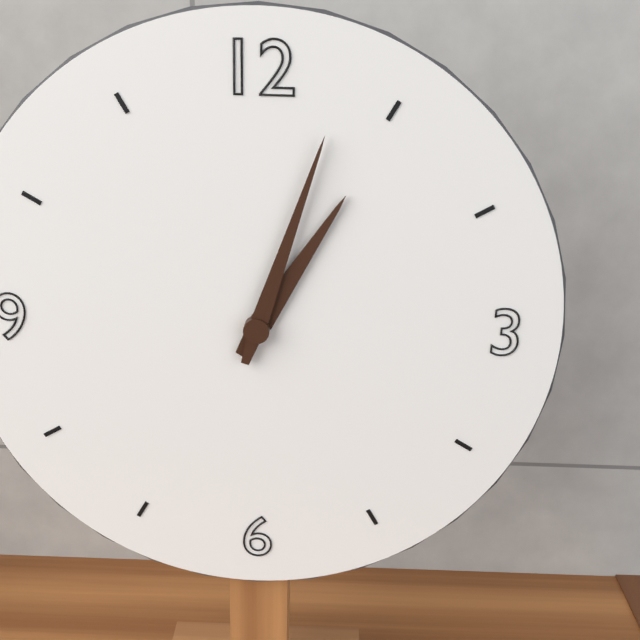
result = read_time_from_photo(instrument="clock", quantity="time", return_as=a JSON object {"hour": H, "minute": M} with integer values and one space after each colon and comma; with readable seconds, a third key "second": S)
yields {"hour": 1, "minute": 3}
